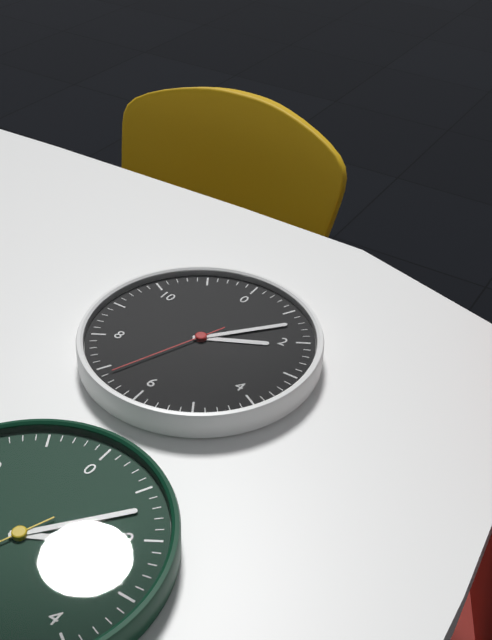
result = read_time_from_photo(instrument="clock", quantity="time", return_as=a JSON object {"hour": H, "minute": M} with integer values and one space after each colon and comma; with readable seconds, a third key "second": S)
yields {"hour": 2, "minute": 7, "second": 34}
